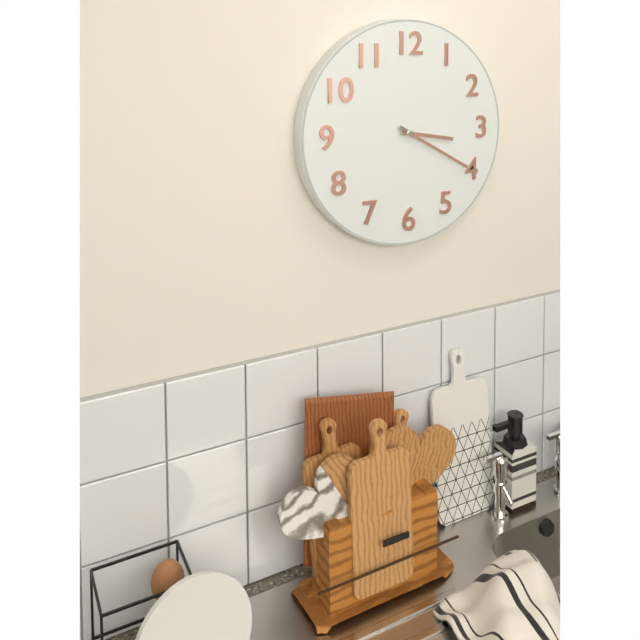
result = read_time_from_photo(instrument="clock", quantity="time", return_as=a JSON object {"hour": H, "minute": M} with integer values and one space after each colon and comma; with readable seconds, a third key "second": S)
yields {"hour": 3, "minute": 20}
